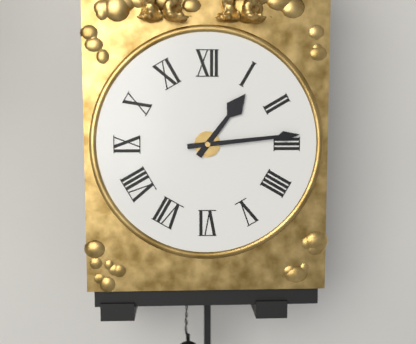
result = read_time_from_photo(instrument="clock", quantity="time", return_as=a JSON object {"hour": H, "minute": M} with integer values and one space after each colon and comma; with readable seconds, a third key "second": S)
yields {"hour": 1, "minute": 14}
